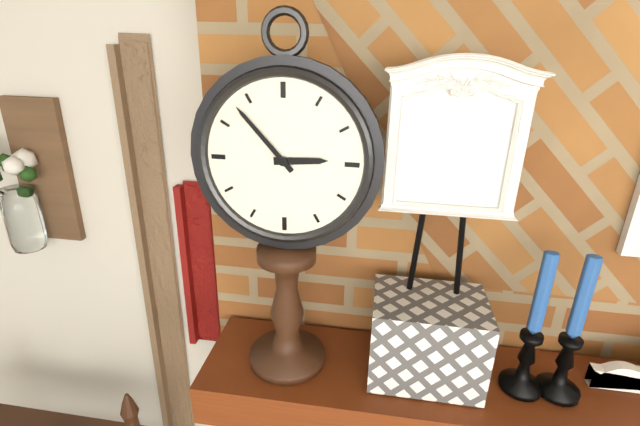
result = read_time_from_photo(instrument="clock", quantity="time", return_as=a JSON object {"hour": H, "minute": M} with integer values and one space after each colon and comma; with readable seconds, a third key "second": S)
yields {"hour": 2, "minute": 53}
